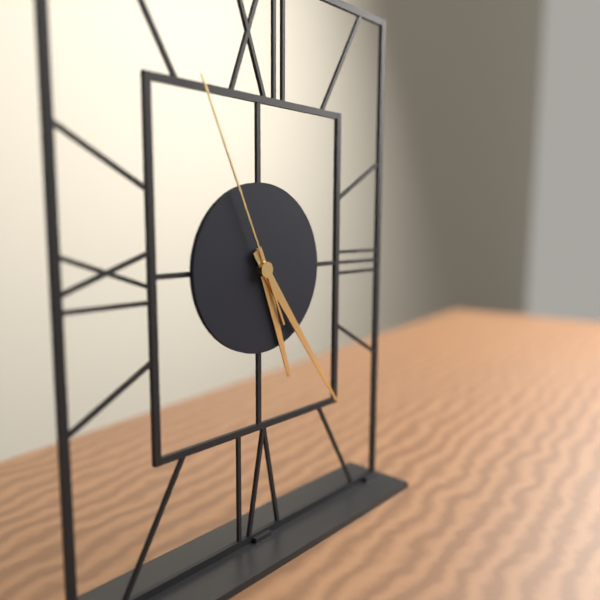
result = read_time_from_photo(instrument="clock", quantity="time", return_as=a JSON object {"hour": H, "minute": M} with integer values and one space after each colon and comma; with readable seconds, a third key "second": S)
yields {"hour": 5, "minute": 24, "second": 56}
